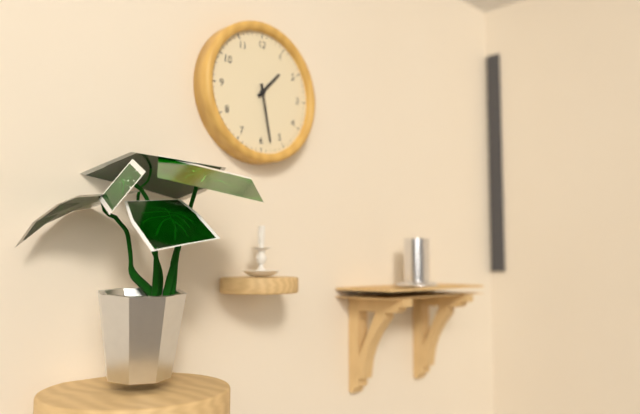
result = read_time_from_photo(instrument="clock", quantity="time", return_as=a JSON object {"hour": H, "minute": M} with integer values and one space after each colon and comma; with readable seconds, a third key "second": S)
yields {"hour": 1, "minute": 28}
